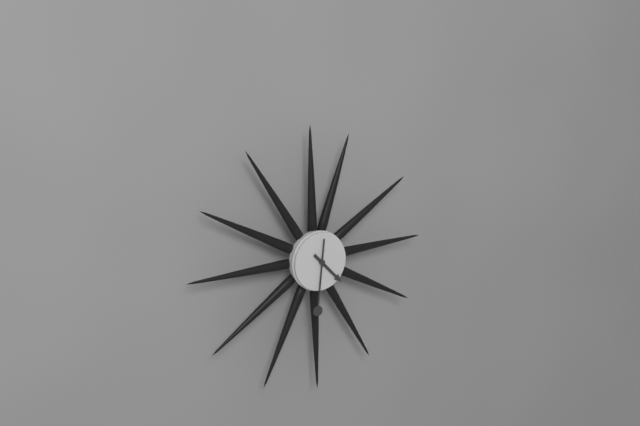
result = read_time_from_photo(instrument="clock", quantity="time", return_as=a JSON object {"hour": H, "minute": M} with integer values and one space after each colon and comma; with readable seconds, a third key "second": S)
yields {"hour": 4, "minute": 31}
